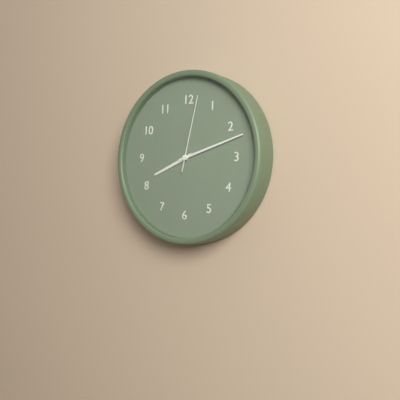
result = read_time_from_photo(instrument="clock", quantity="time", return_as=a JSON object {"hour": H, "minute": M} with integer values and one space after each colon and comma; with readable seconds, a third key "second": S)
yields {"hour": 8, "minute": 12, "second": 2}
